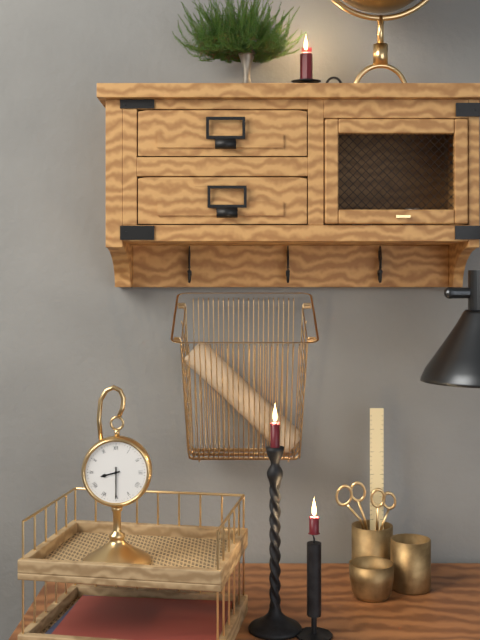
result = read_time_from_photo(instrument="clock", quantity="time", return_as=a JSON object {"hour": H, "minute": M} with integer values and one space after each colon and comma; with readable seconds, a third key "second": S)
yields {"hour": 8, "minute": 30}
